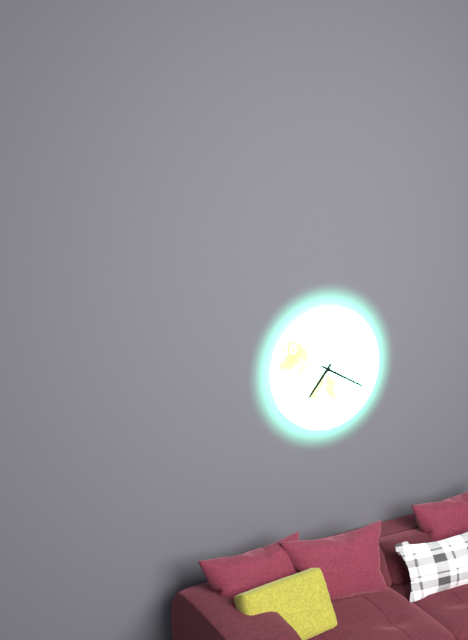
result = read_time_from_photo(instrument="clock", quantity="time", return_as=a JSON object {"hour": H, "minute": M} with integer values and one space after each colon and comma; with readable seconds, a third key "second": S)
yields {"hour": 7, "minute": 20}
